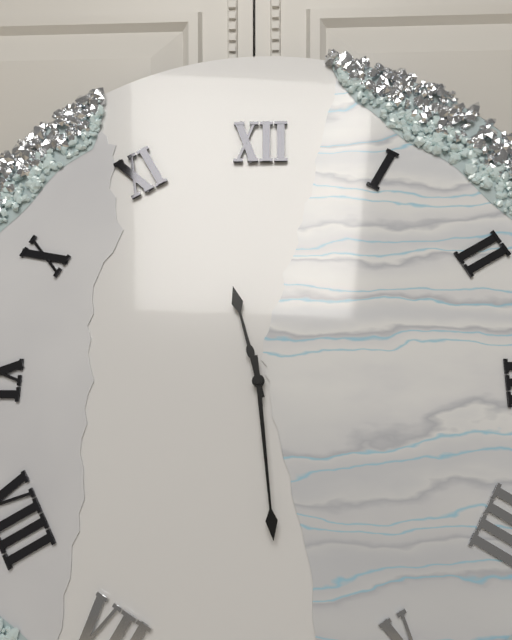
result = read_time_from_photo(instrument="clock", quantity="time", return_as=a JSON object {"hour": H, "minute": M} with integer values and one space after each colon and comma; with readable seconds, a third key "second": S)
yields {"hour": 11, "minute": 29}
